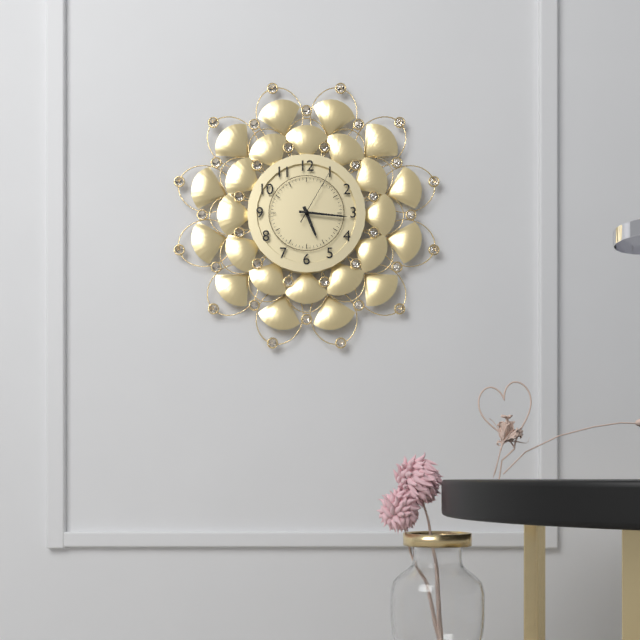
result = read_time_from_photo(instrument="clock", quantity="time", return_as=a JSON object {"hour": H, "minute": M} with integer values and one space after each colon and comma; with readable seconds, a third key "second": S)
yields {"hour": 5, "minute": 16, "second": 5}
